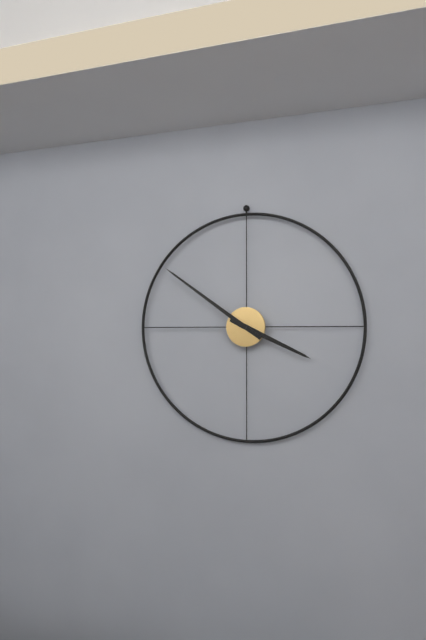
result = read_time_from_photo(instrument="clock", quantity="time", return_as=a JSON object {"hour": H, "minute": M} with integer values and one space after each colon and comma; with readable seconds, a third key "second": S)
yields {"hour": 3, "minute": 51}
